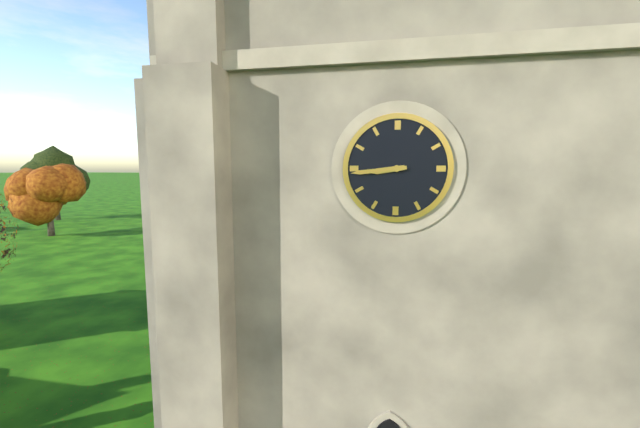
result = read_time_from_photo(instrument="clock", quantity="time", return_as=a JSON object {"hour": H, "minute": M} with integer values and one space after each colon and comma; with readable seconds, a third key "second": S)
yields {"hour": 8, "minute": 44}
